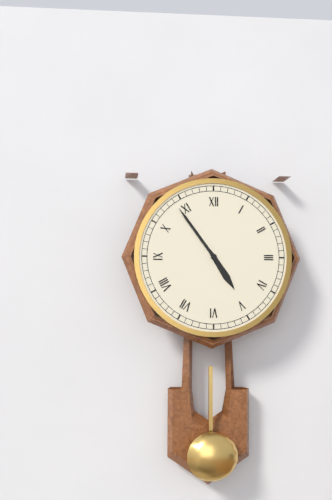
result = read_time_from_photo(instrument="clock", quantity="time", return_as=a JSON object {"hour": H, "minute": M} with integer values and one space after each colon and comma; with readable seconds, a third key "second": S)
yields {"hour": 4, "minute": 54}
